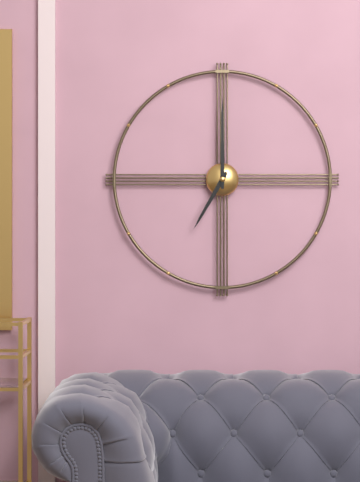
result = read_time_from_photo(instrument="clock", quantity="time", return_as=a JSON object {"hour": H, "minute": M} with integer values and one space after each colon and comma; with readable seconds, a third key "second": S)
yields {"hour": 7, "minute": 0}
